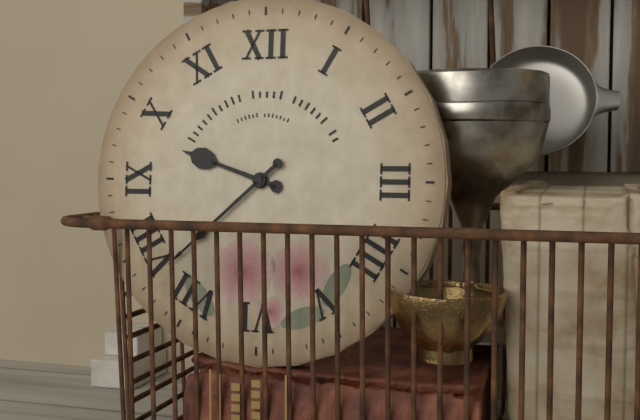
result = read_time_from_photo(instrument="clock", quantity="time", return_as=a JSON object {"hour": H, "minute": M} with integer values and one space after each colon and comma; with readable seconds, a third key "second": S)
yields {"hour": 9, "minute": 38}
